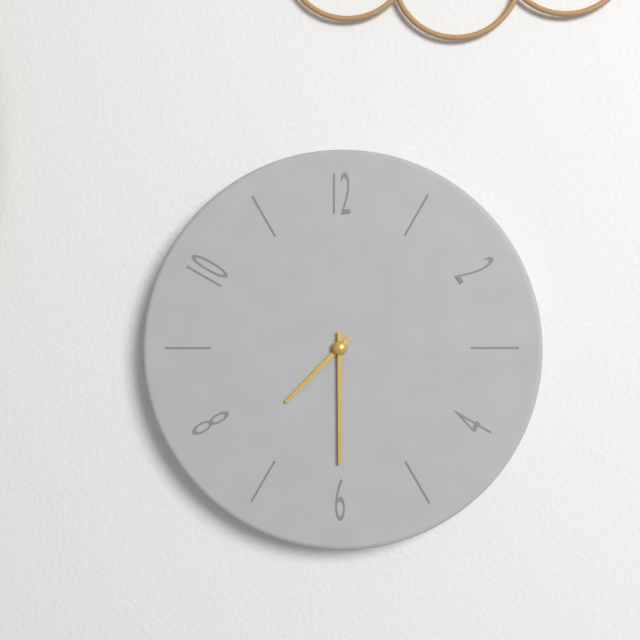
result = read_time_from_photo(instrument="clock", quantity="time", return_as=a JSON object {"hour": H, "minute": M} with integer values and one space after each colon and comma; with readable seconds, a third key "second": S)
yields {"hour": 7, "minute": 30}
